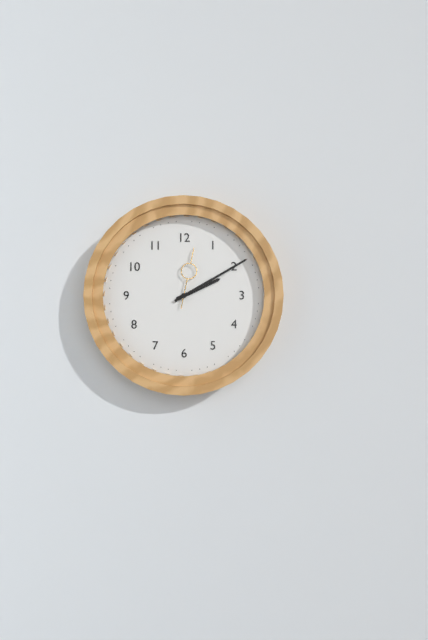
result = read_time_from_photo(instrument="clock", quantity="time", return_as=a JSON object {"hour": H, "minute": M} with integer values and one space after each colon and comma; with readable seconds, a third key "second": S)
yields {"hour": 2, "minute": 10, "second": 2}
